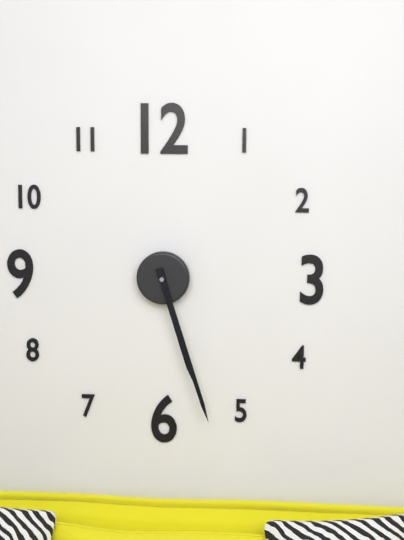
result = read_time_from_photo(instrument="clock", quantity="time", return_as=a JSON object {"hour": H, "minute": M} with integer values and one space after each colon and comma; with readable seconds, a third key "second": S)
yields {"hour": 5, "minute": 27}
